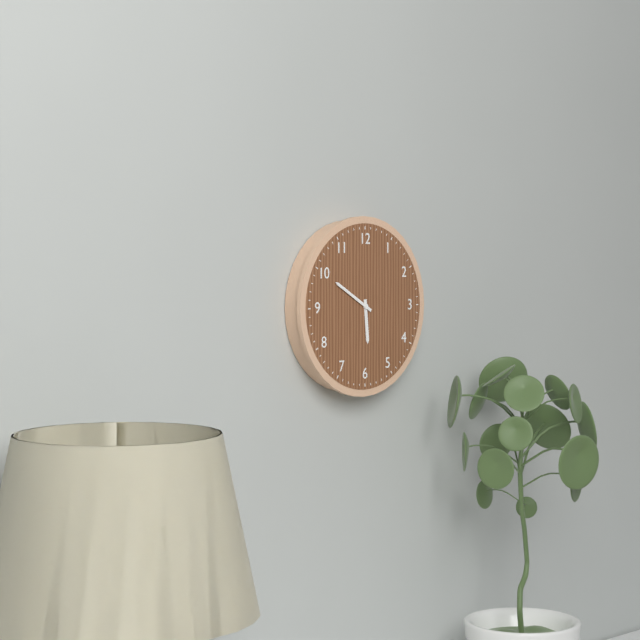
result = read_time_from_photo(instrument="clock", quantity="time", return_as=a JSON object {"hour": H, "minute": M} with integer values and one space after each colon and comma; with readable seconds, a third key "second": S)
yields {"hour": 5, "minute": 50}
